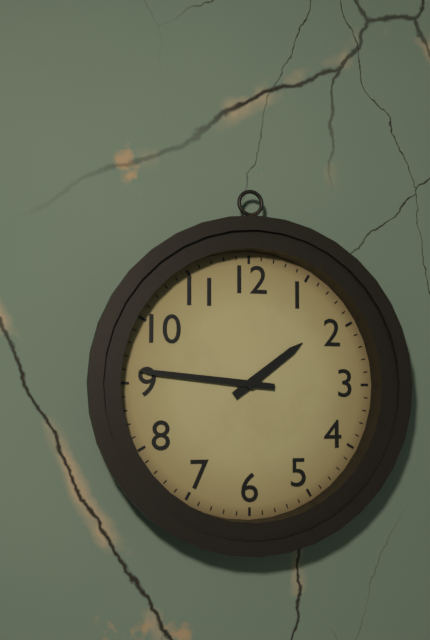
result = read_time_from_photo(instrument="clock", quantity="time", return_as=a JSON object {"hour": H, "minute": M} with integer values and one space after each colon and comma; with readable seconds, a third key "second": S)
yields {"hour": 1, "minute": 46}
